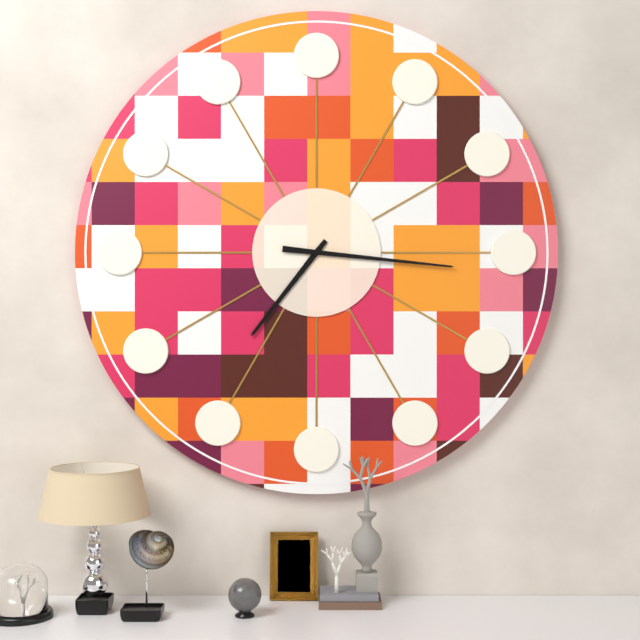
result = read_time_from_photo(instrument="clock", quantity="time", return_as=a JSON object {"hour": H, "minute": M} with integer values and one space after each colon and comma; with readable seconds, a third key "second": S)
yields {"hour": 7, "minute": 16}
